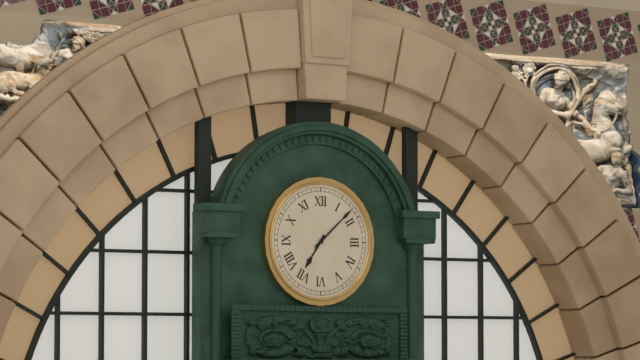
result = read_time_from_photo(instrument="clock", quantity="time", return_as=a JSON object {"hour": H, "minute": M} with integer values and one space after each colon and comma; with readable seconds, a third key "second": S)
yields {"hour": 7, "minute": 8}
